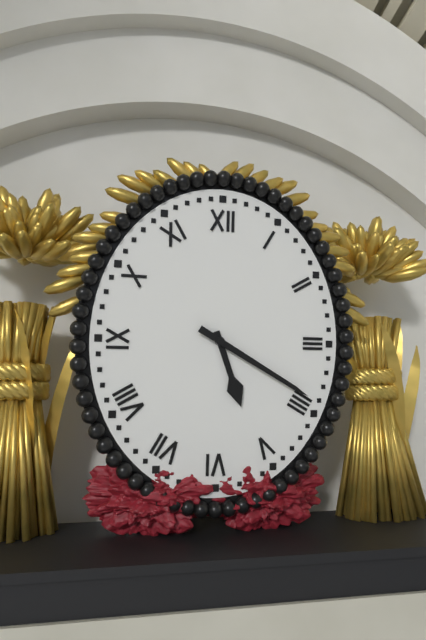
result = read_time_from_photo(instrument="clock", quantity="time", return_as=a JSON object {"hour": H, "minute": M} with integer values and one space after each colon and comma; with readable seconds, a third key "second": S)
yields {"hour": 5, "minute": 20}
